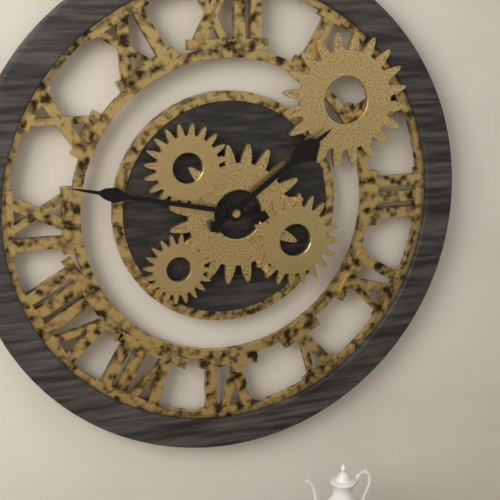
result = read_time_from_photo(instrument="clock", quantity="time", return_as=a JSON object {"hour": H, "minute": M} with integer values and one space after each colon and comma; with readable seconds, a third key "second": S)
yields {"hour": 1, "minute": 47}
